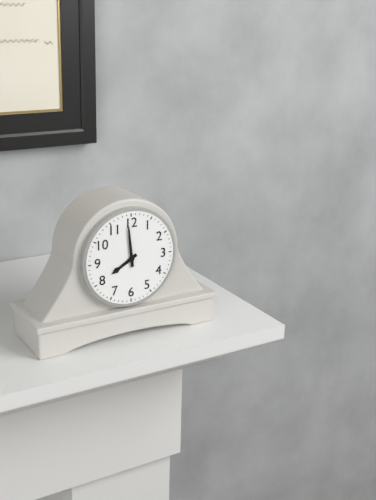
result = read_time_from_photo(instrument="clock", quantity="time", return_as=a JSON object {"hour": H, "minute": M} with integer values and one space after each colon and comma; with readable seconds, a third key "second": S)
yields {"hour": 7, "minute": 59}
